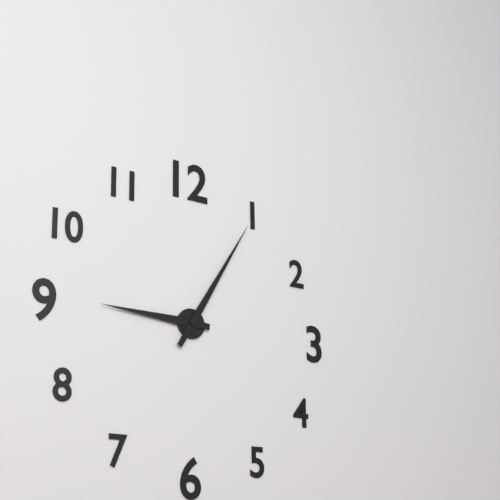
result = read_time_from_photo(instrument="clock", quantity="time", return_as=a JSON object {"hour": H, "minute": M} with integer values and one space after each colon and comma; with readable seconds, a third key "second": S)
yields {"hour": 9, "minute": 5}
